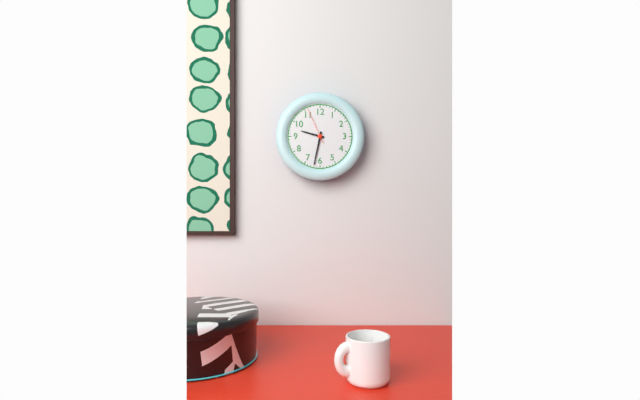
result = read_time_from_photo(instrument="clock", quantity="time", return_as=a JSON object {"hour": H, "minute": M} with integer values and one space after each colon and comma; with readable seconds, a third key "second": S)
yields {"hour": 9, "minute": 32}
